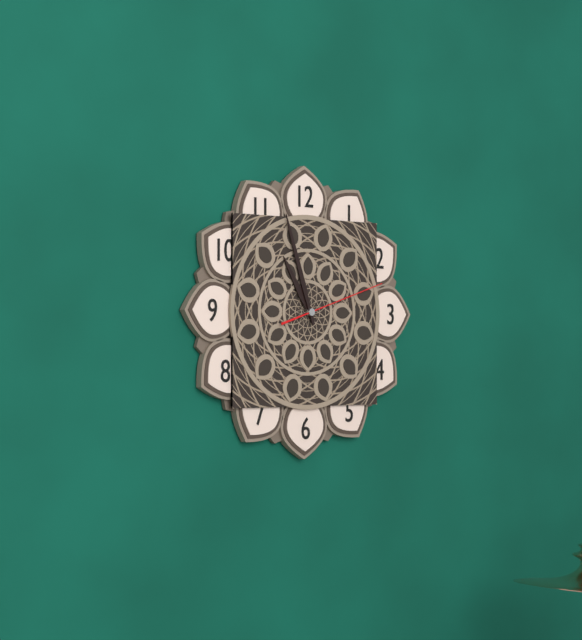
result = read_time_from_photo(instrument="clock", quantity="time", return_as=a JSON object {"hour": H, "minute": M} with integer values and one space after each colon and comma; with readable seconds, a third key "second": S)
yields {"hour": 10, "minute": 57, "second": 12}
